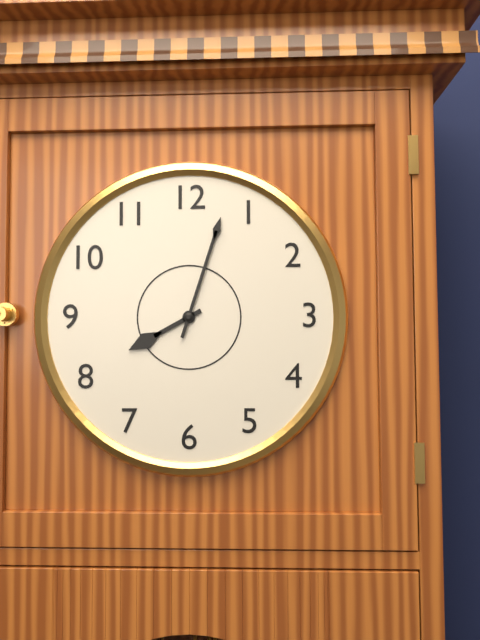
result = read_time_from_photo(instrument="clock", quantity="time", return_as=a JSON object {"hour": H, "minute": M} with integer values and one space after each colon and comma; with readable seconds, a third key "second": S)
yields {"hour": 8, "minute": 3}
